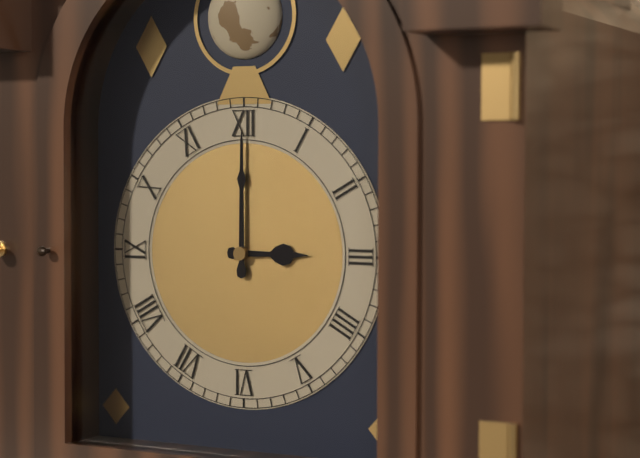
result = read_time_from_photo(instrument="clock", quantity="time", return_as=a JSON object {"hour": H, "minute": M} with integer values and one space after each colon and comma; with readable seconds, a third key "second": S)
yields {"hour": 3, "minute": 0}
